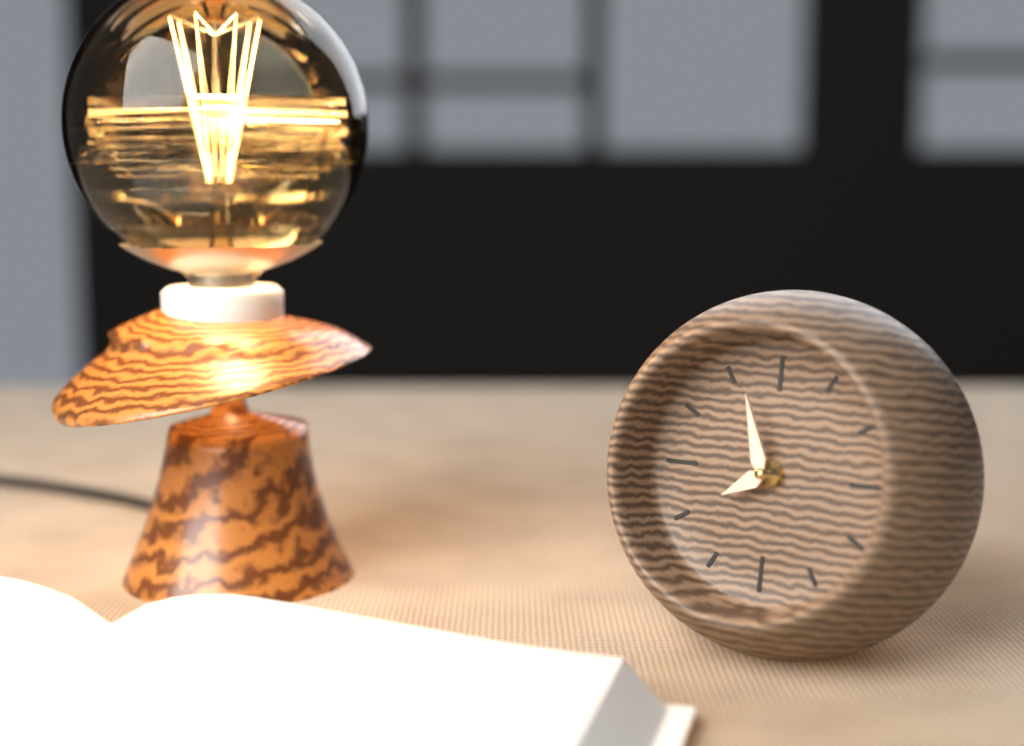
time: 7:57
